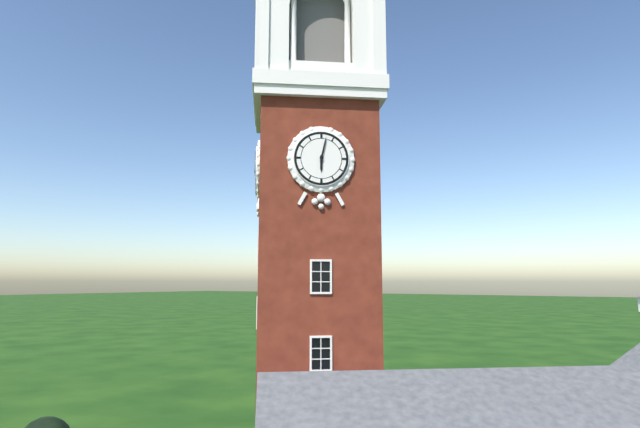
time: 6:02
